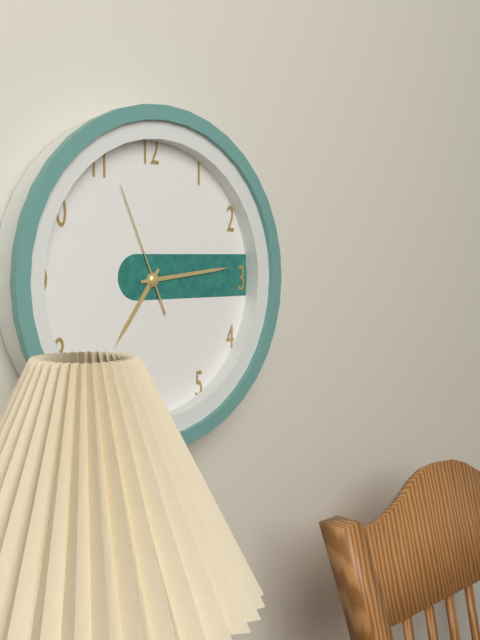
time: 7:14:56
